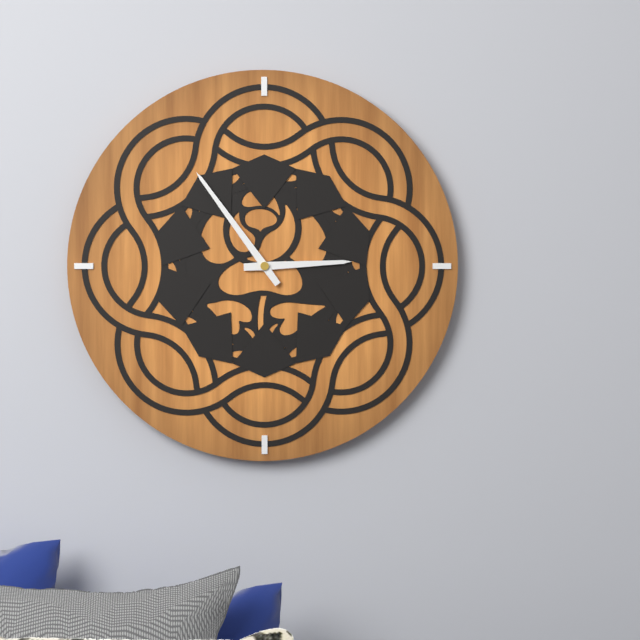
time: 2:54
